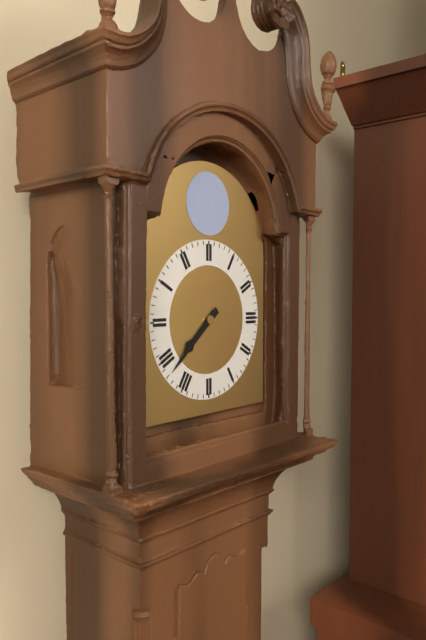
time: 7:38
